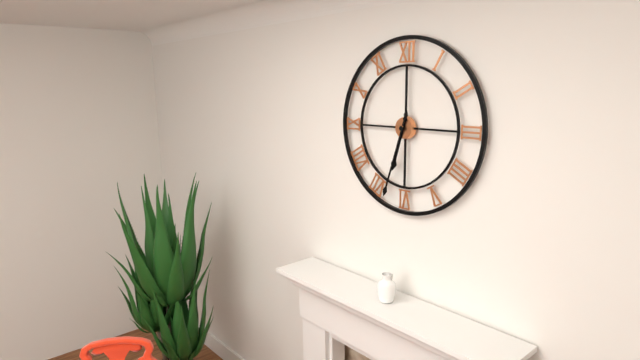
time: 6:33
